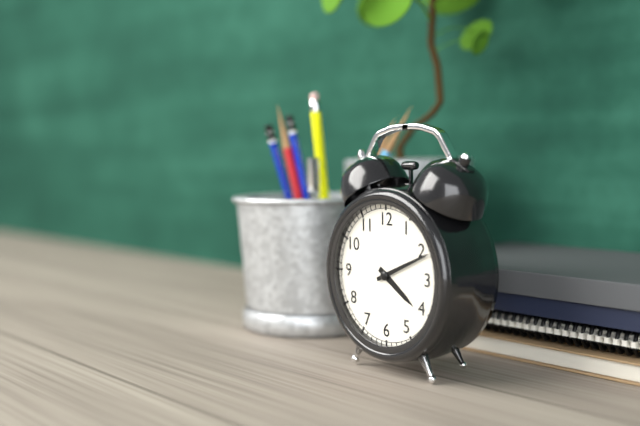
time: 4:11
